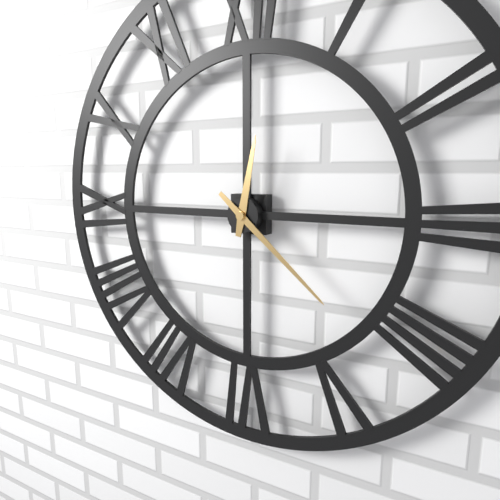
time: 12:22
